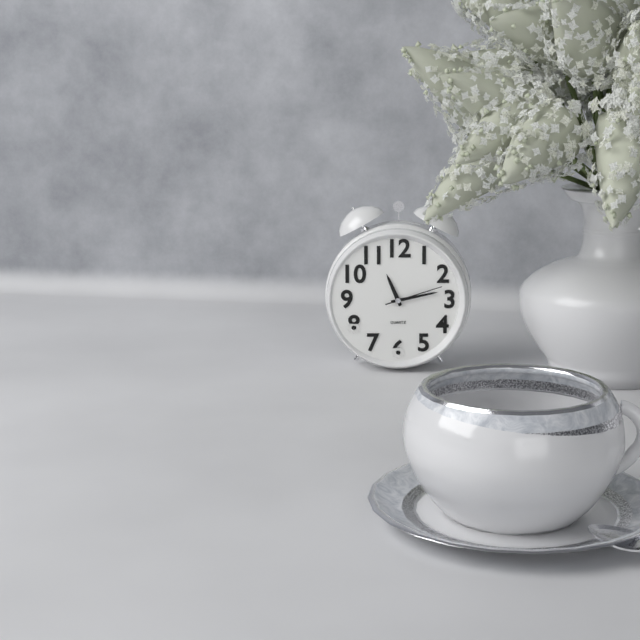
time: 11:13:12
